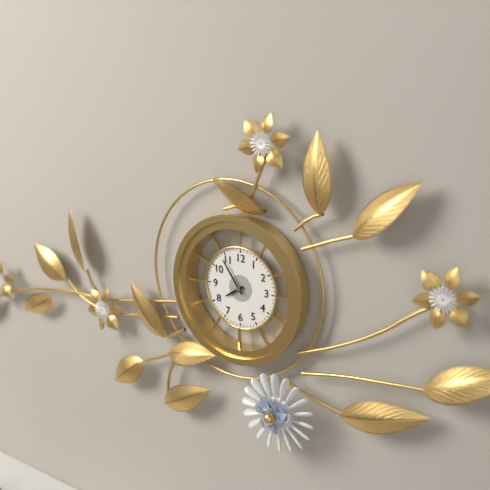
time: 7:54
